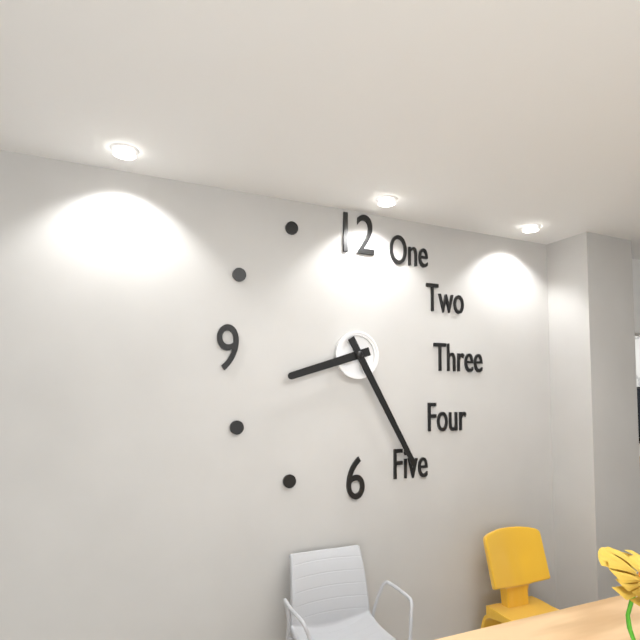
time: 8:25
